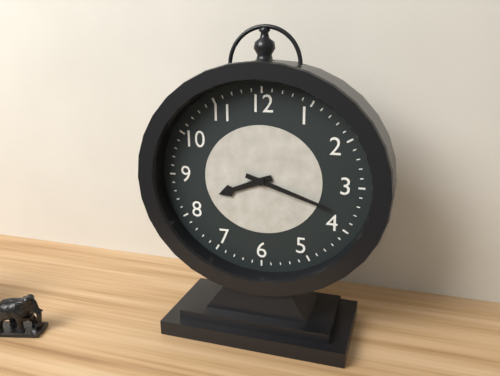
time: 8:18
